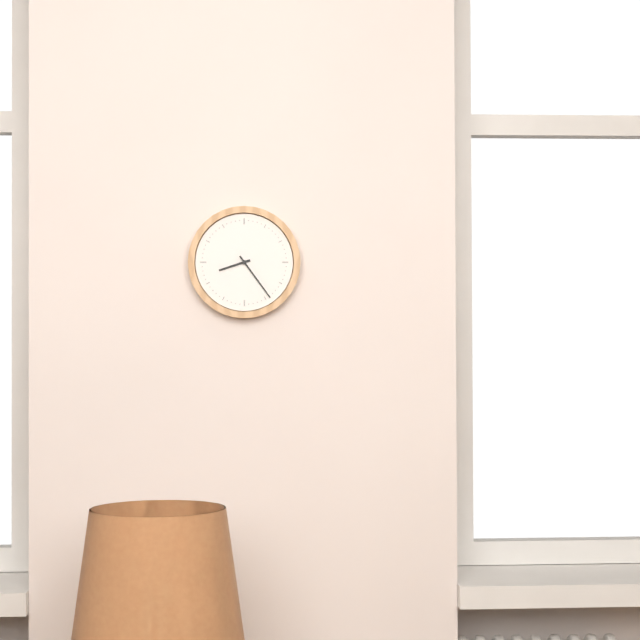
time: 8:24
